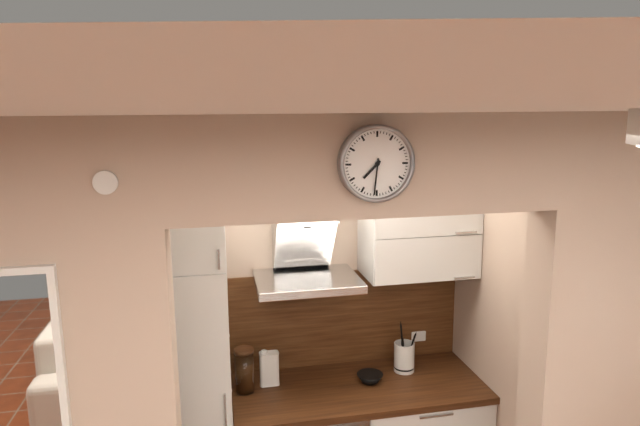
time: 7:31
